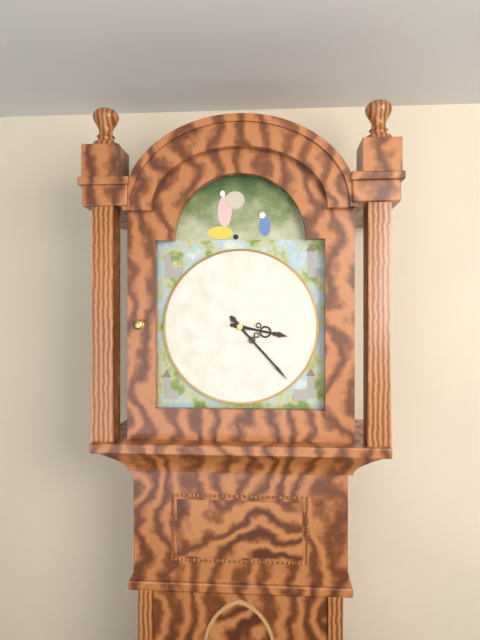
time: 3:23
